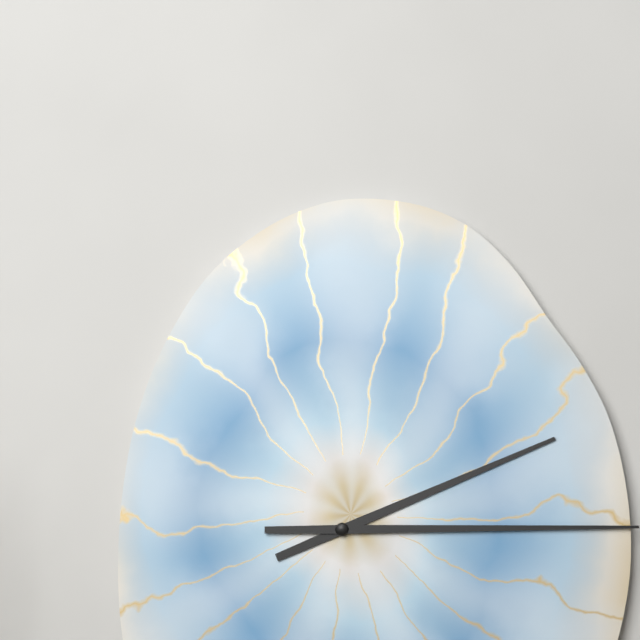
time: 2:15
